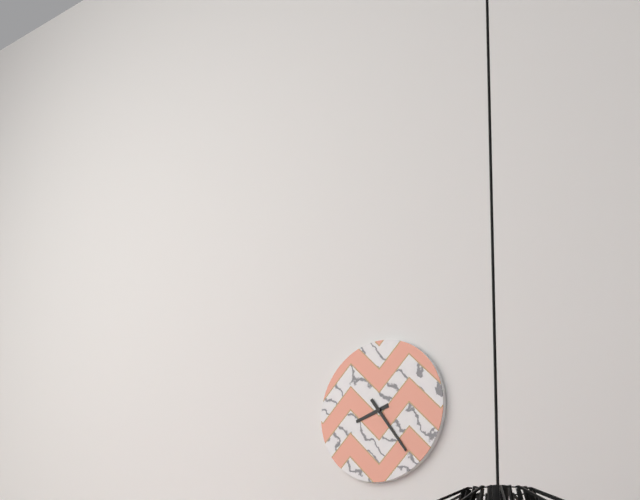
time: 8:24
